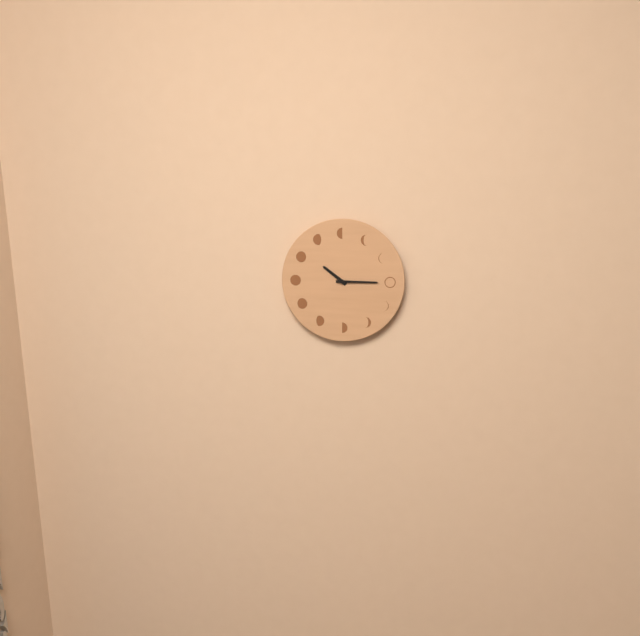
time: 10:15
